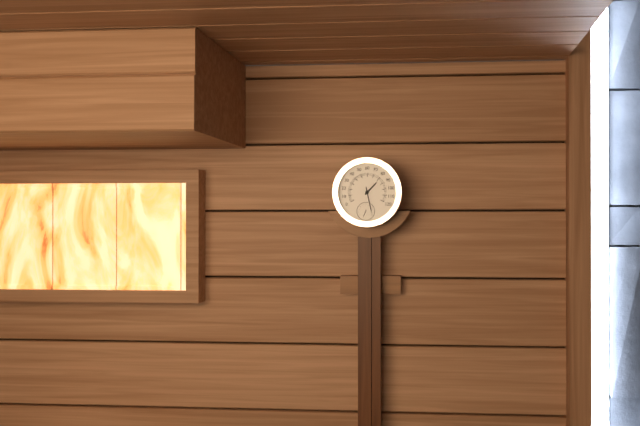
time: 1:28
